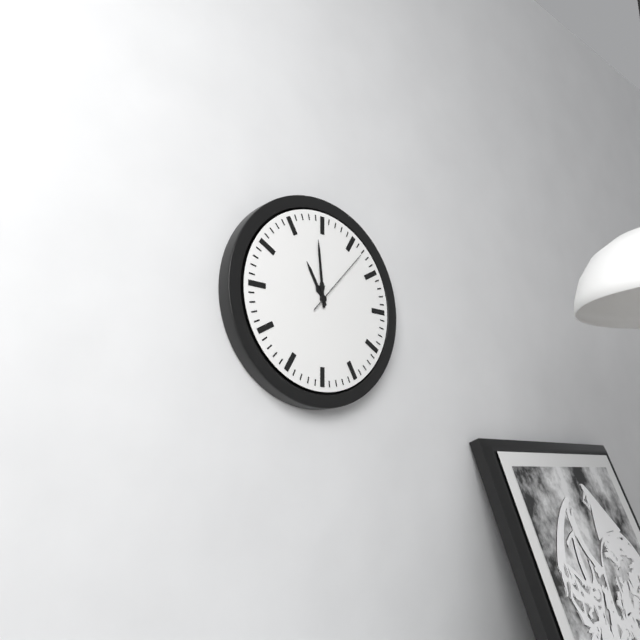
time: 10:59:07
